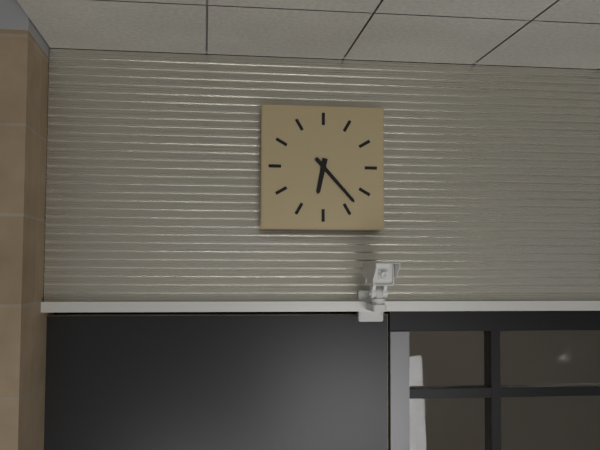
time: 6:23
